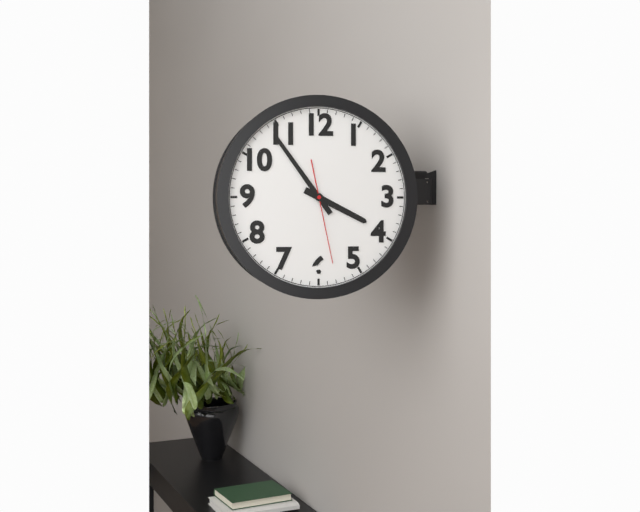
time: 3:54:28
